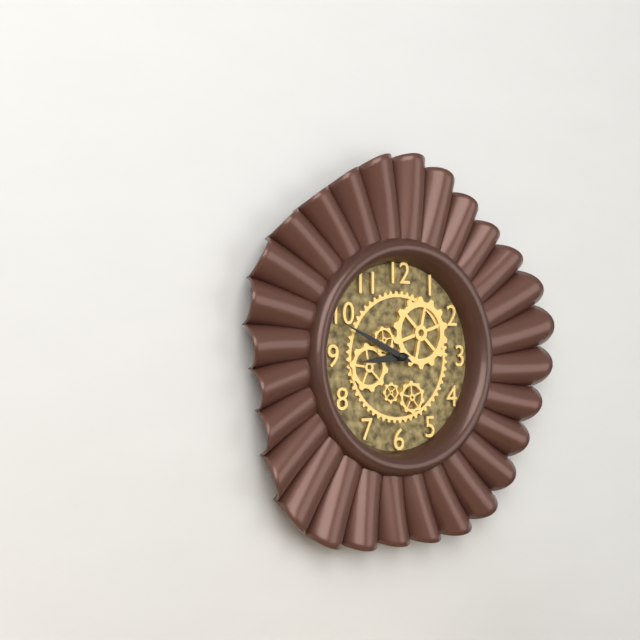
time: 8:49
